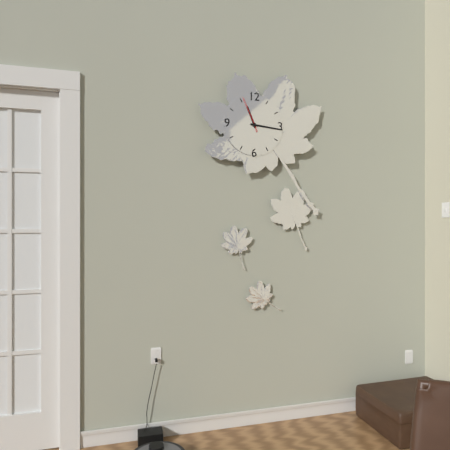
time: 11:16
